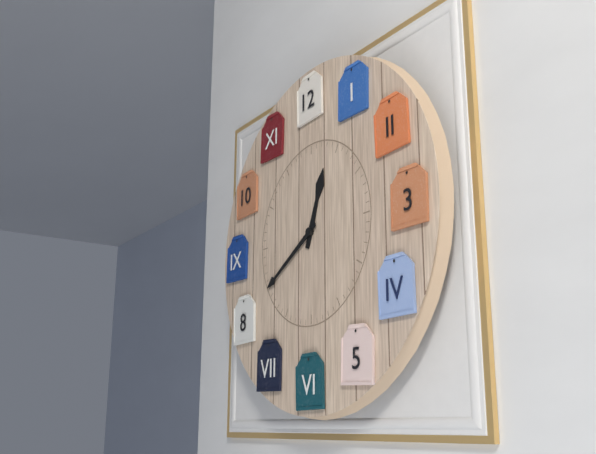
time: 12:40
